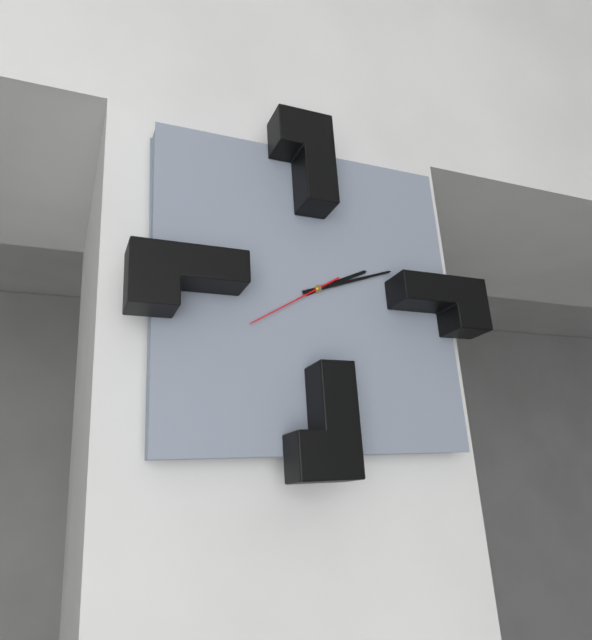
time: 2:12:40
